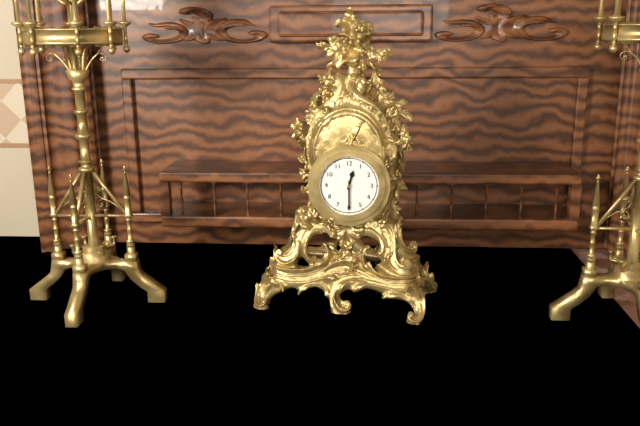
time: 12:30
